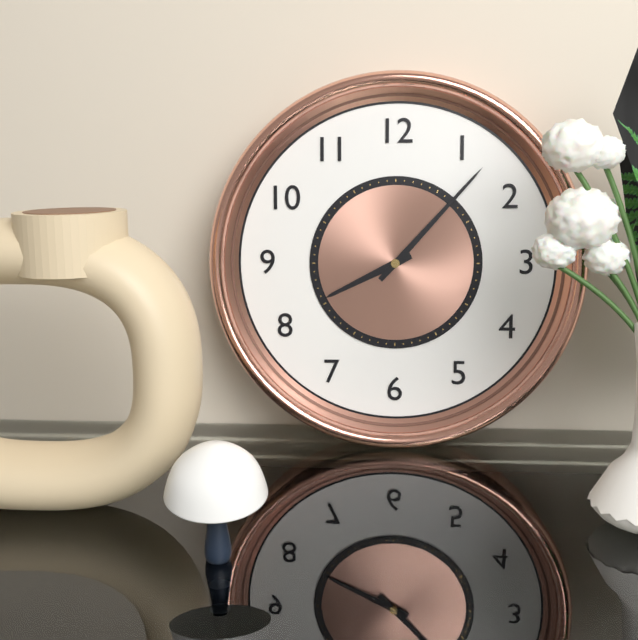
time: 8:07
